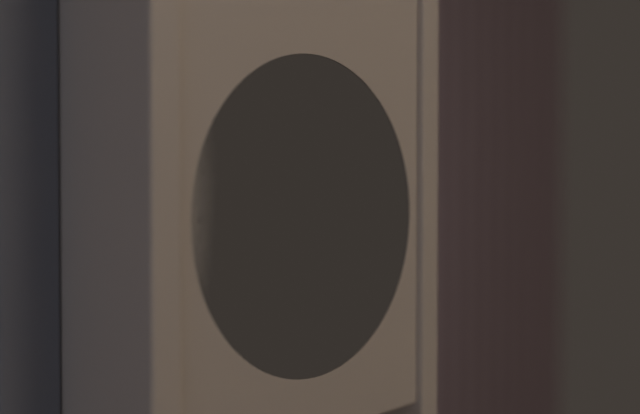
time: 4:44:04
